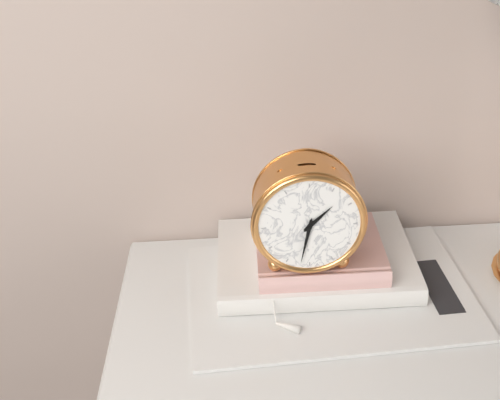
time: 1:32
